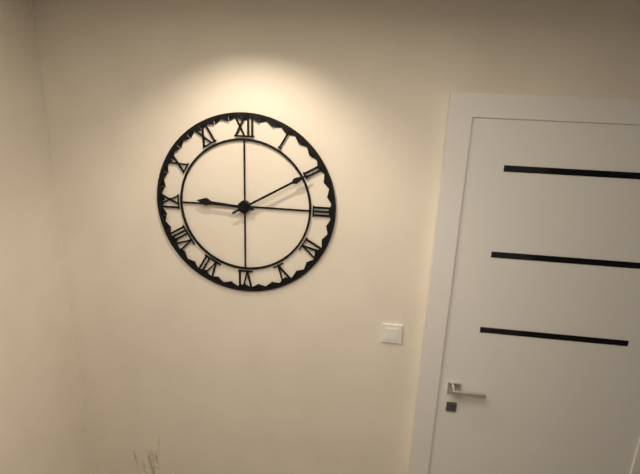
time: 9:10
